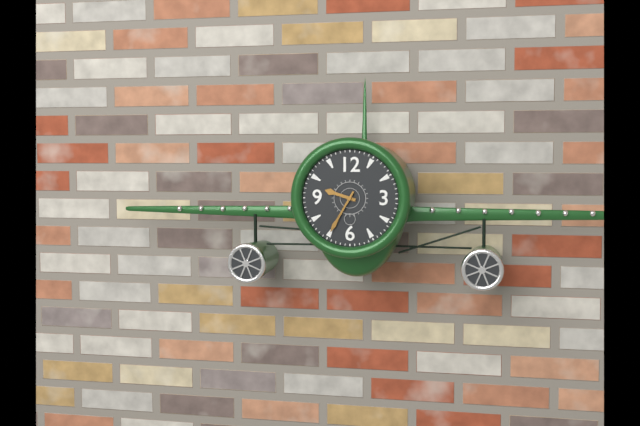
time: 9:35
